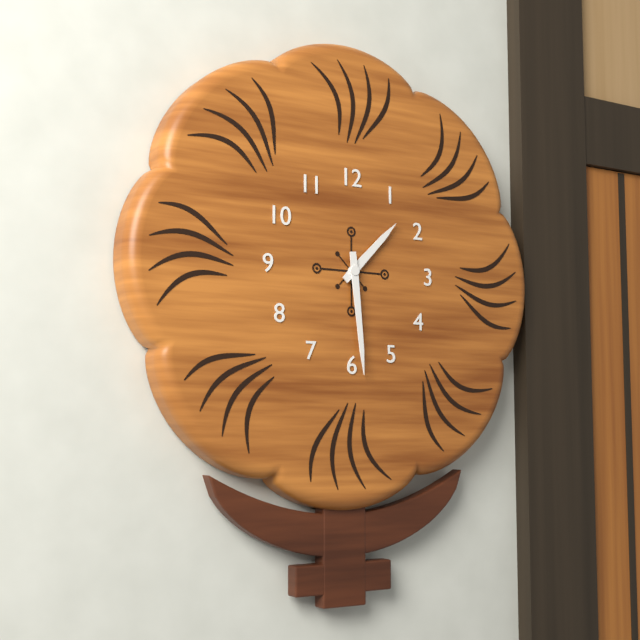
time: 1:29
